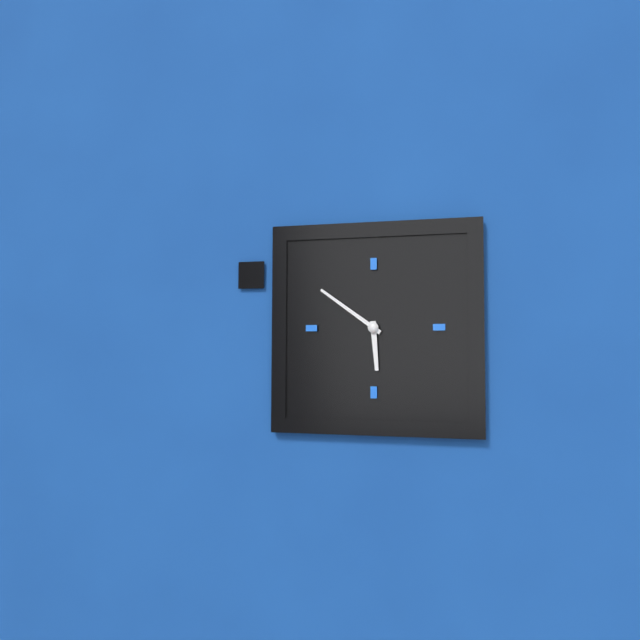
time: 5:51
